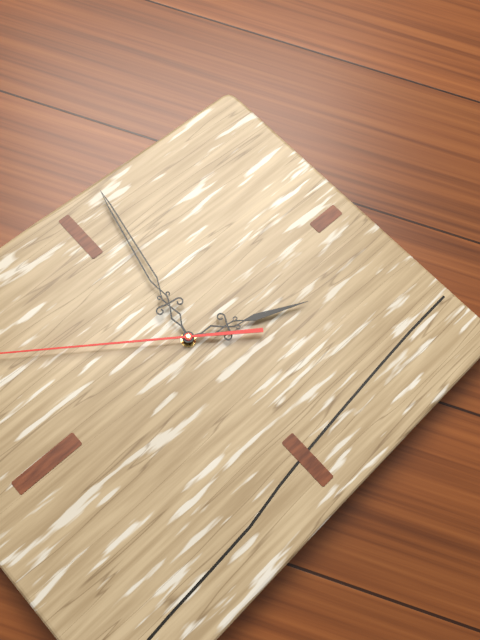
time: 12:47
